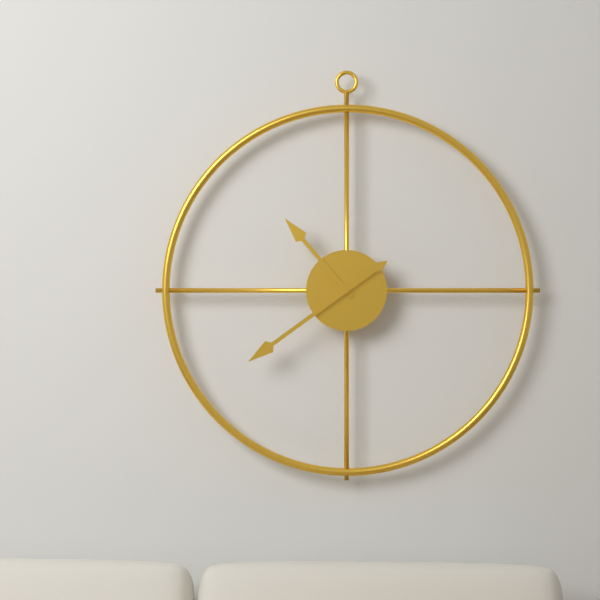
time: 10:39
